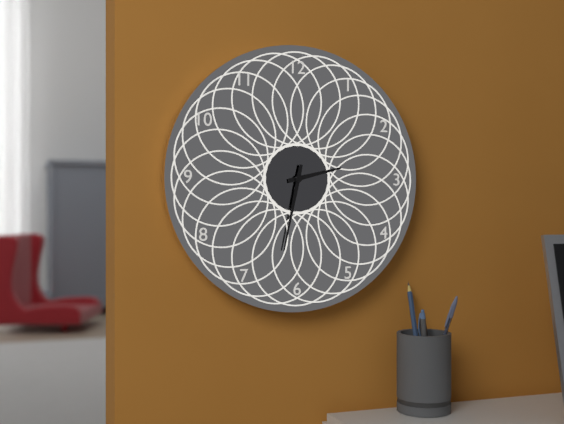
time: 2:32
